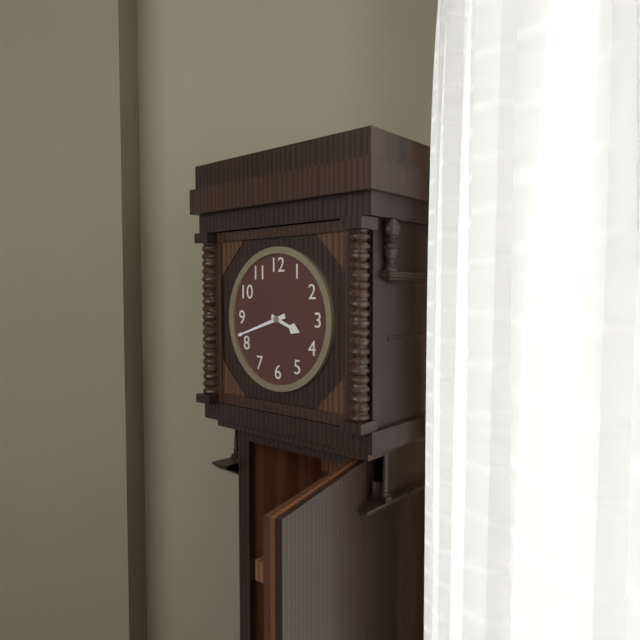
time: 3:42
